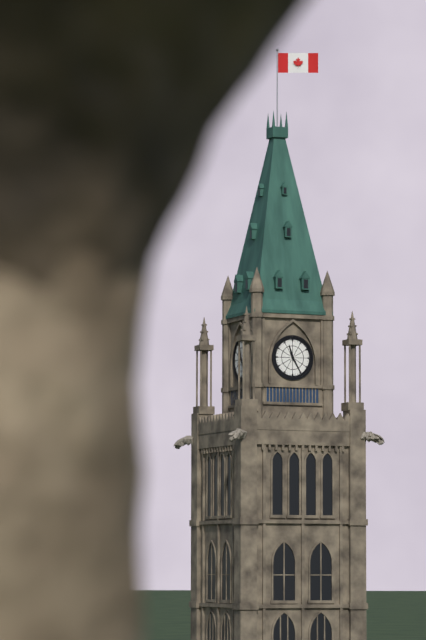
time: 11:25
